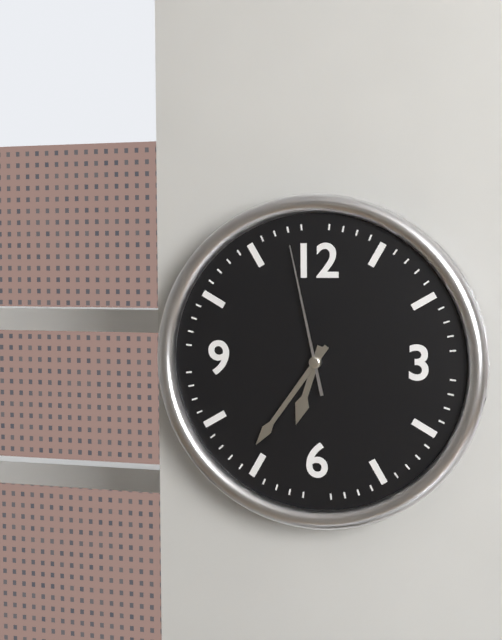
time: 6:36:58
